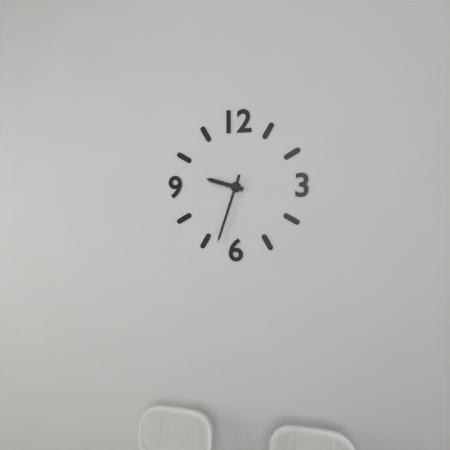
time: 9:33
